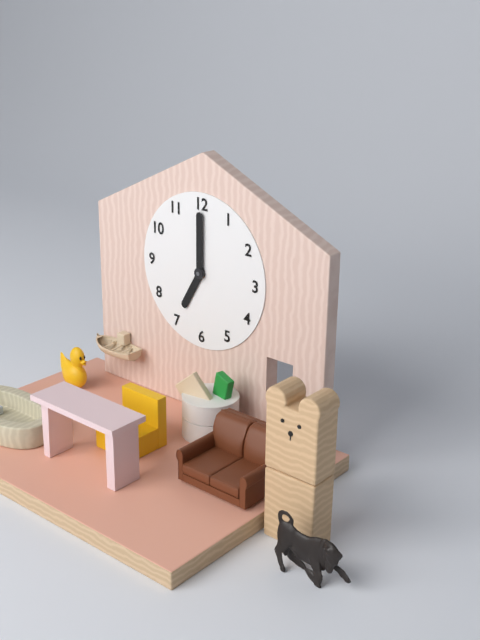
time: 7:00
